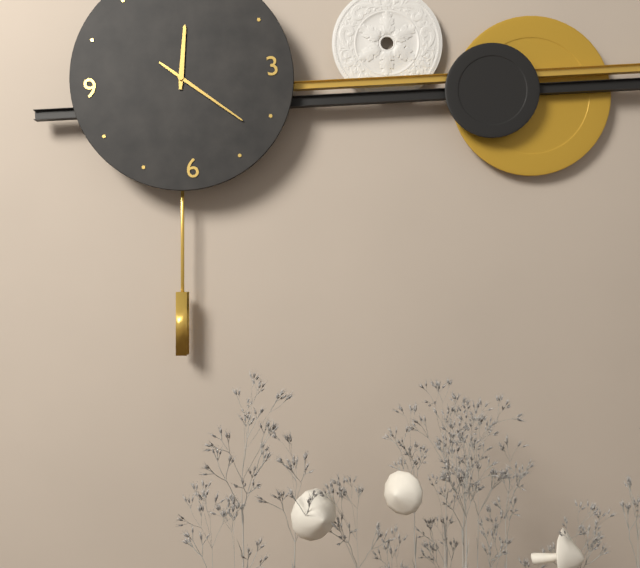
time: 12:22
